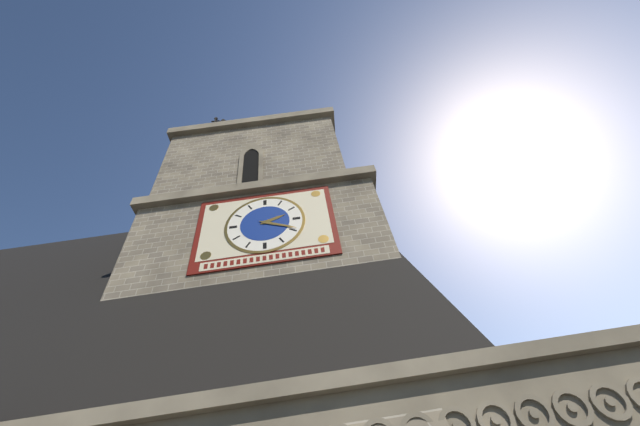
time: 2:19
